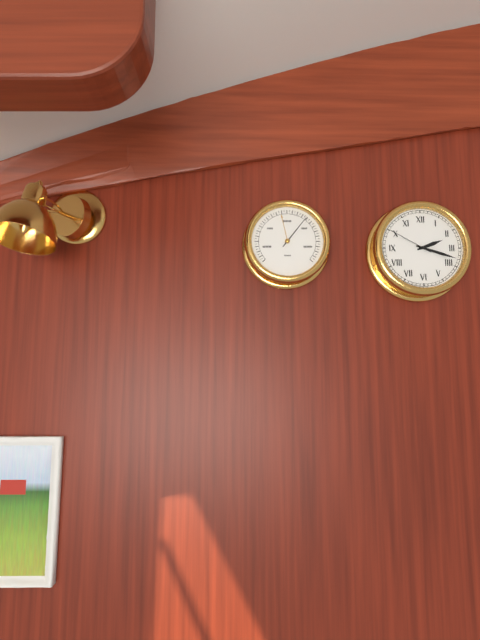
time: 2:18
